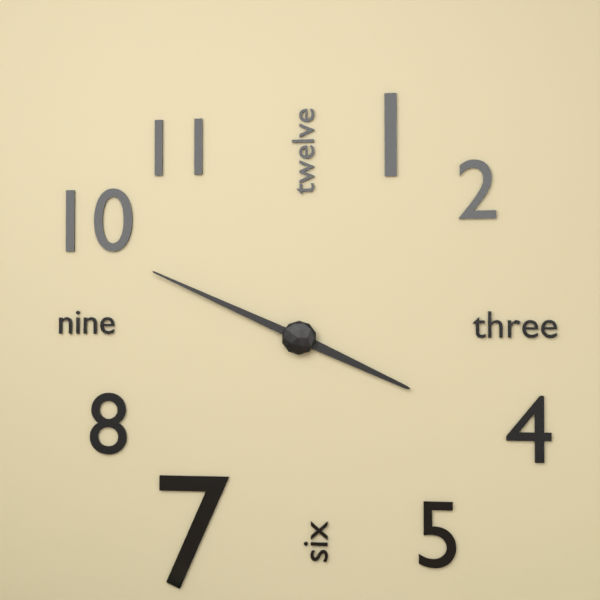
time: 3:49
